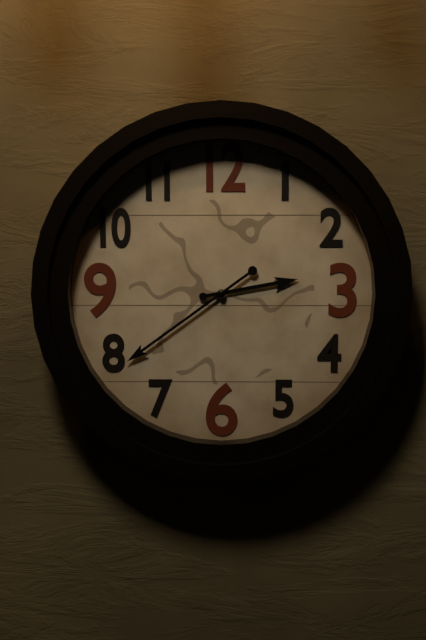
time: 2:39
